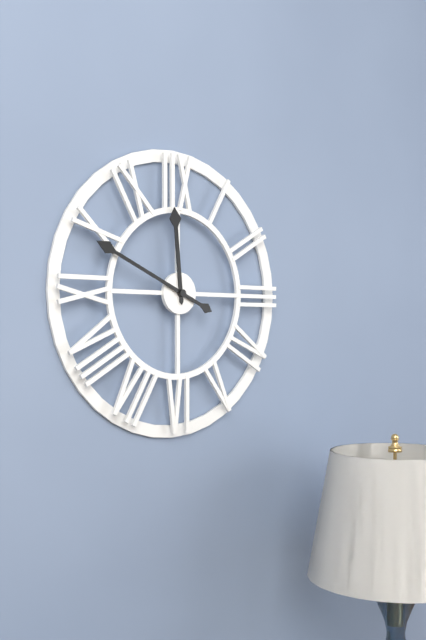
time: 11:49
